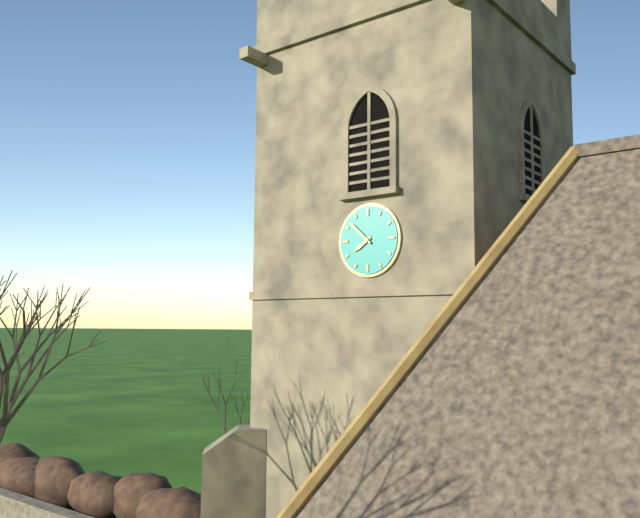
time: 7:52
